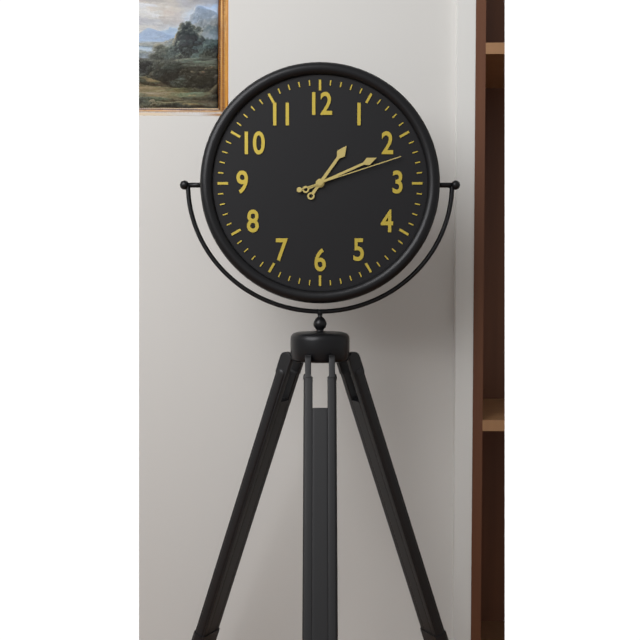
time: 1:11:12
